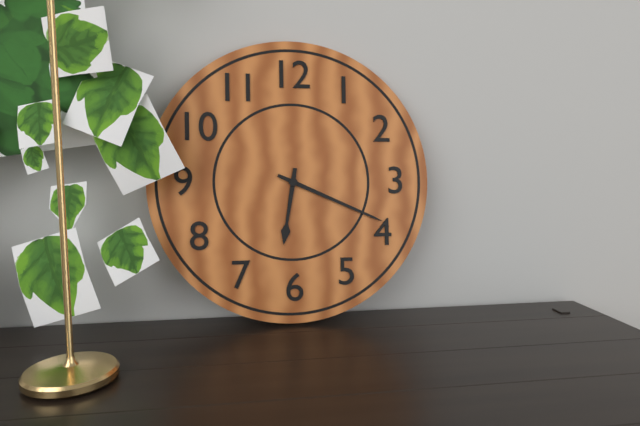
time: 6:19
